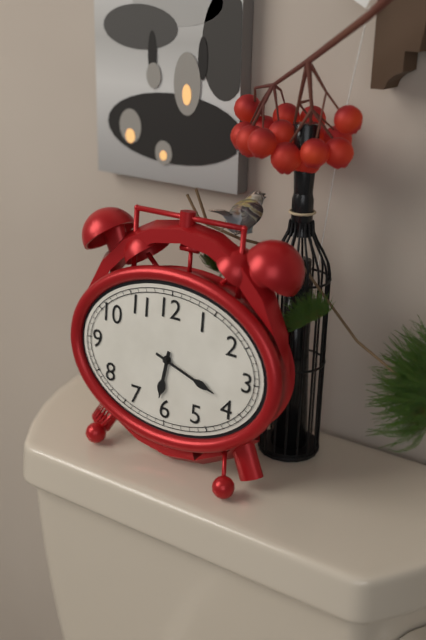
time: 6:18
